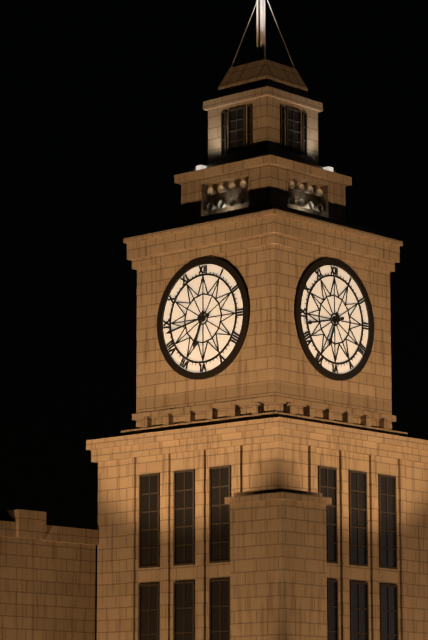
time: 6:43
